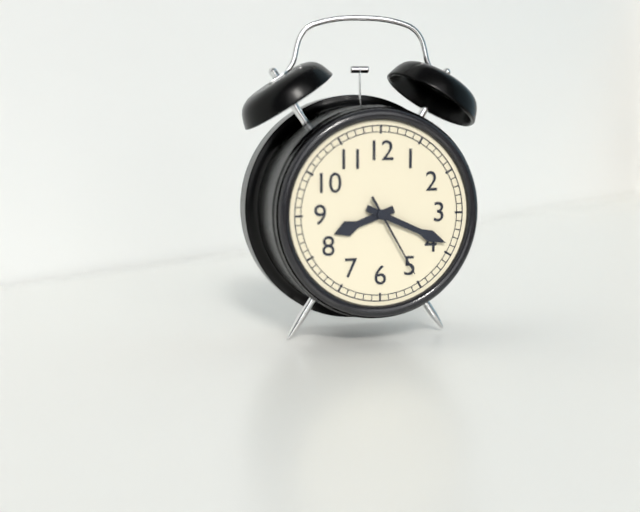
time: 8:19:25
